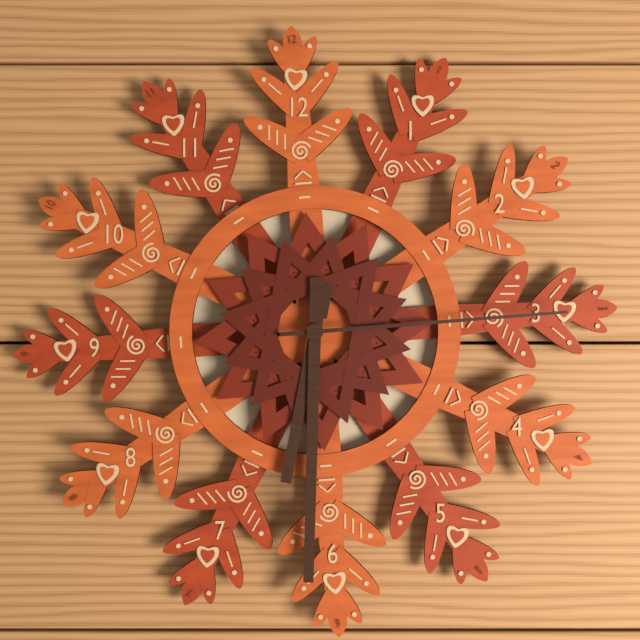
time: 6:31:15
